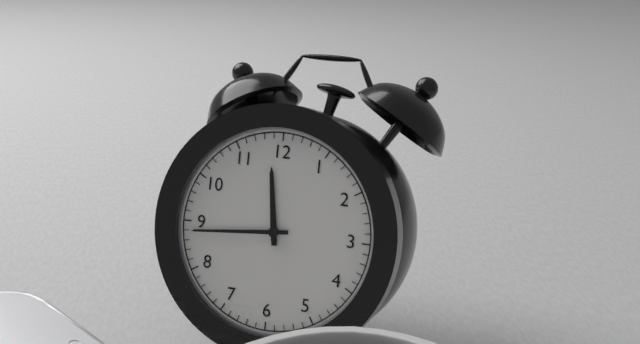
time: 11:44
